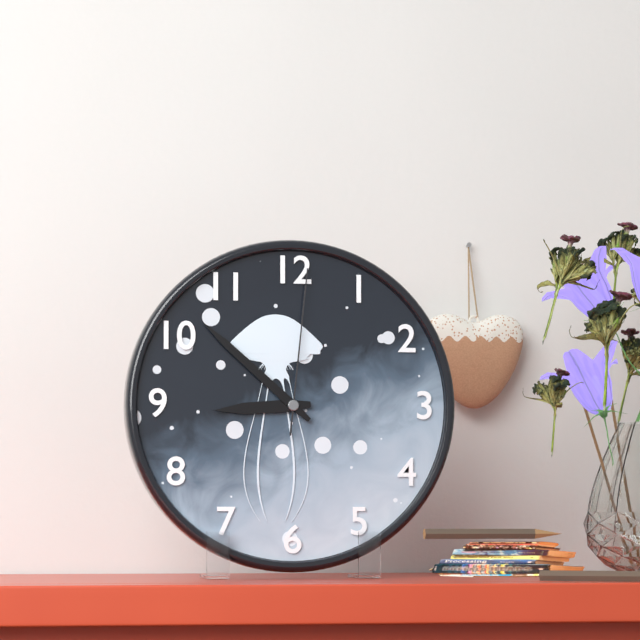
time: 8:52:01
